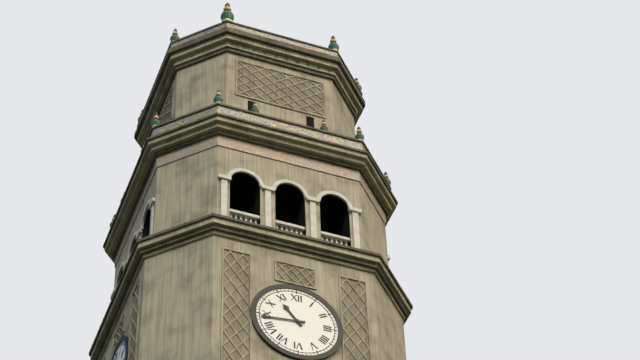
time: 10:44
